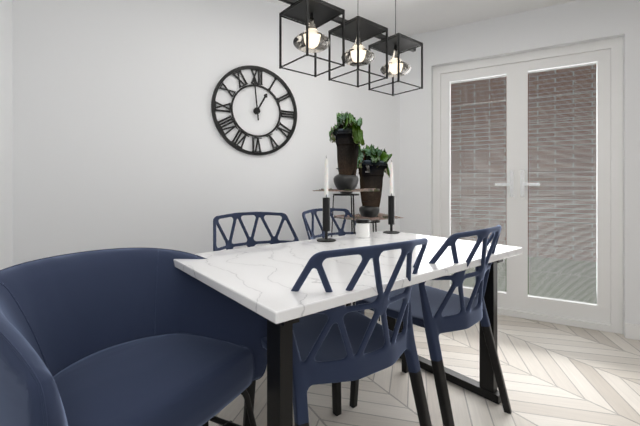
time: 12:59
